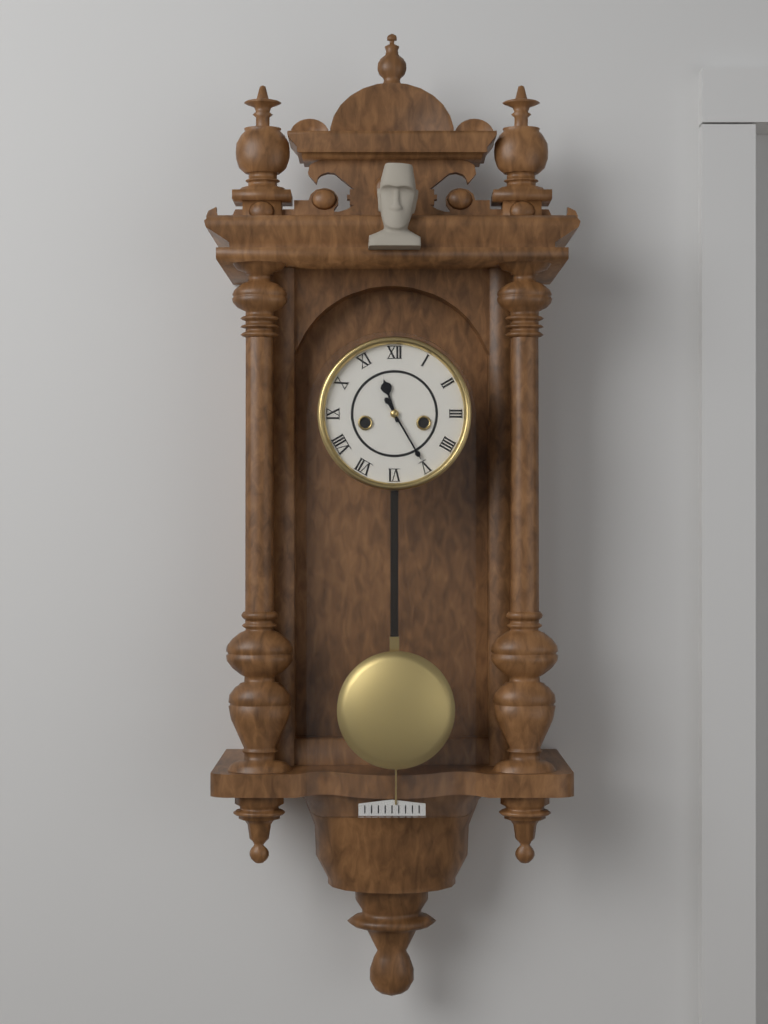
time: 11:25
